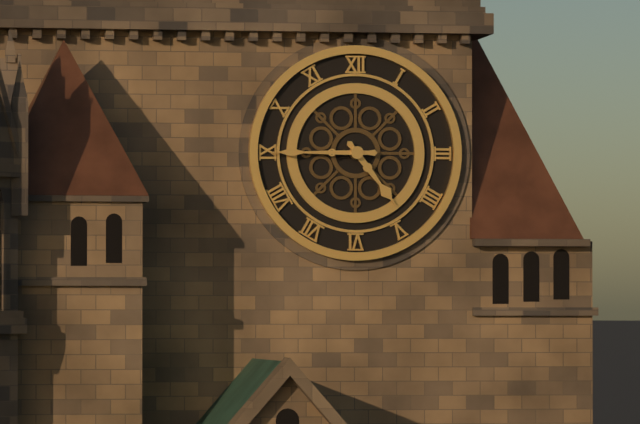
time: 4:45
